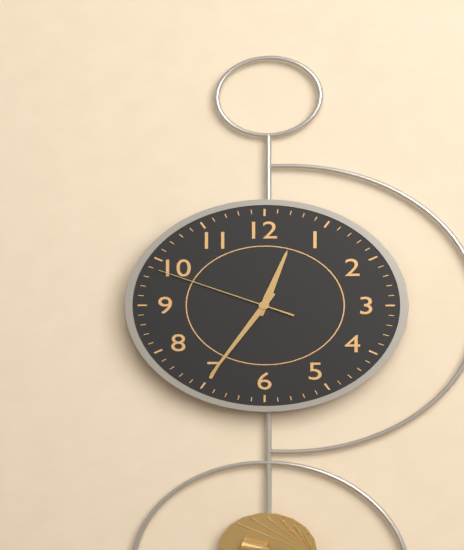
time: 12:35:49
